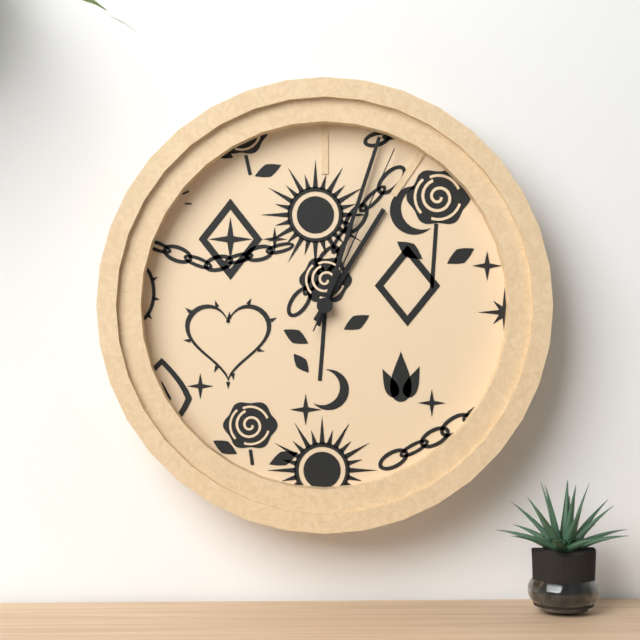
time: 1:03:04
